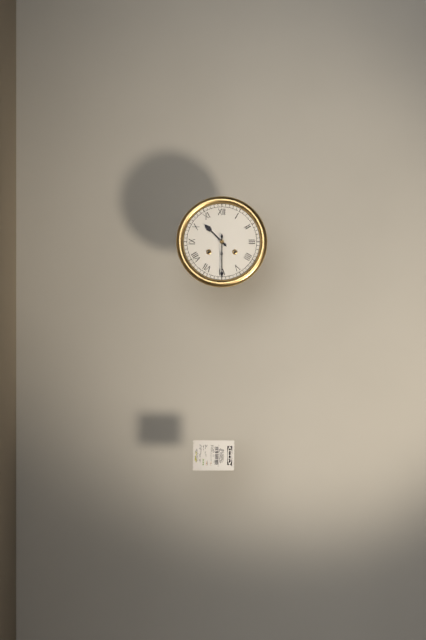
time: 10:30
